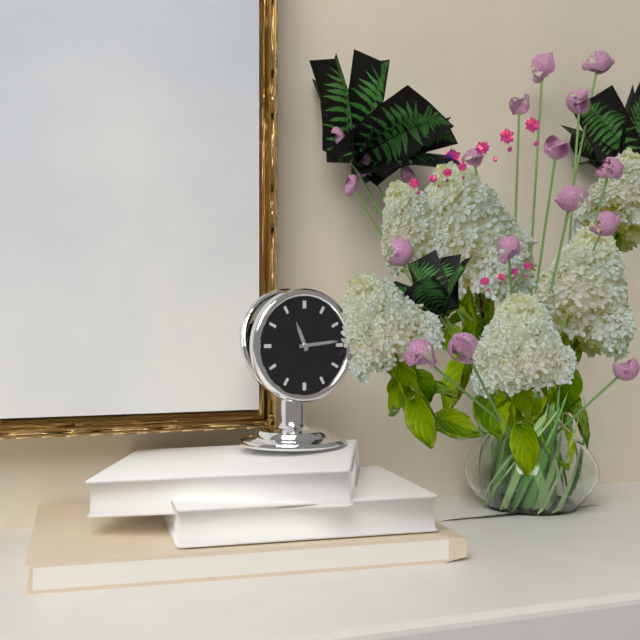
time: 11:14
